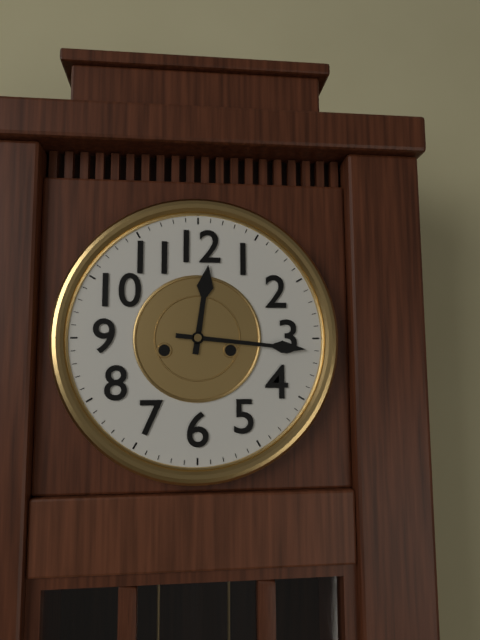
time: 12:16
